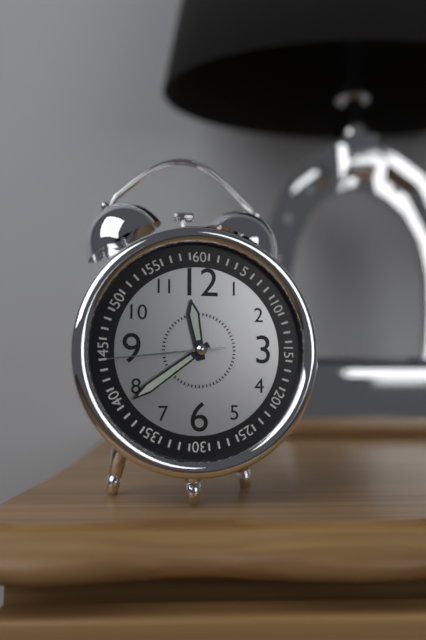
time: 11:39:44
